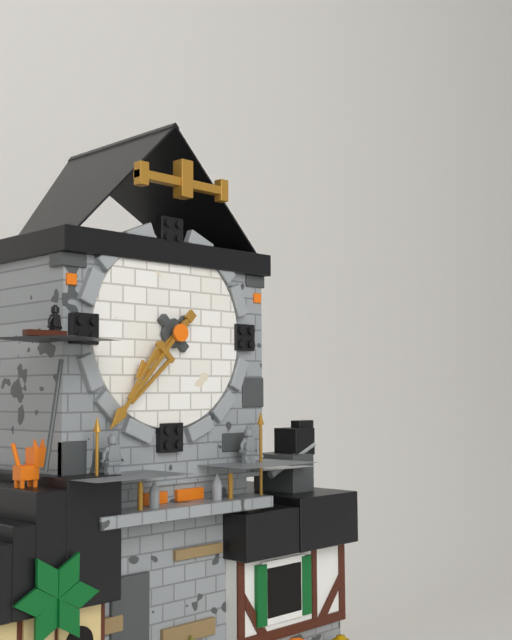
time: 7:37
